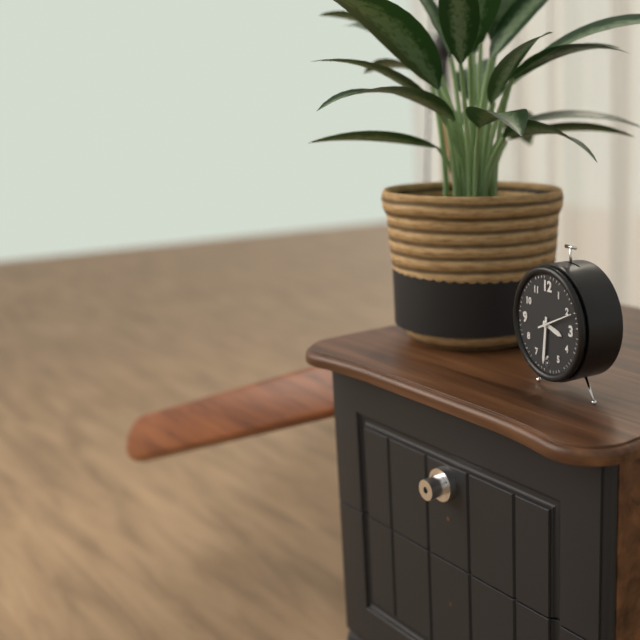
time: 3:31
